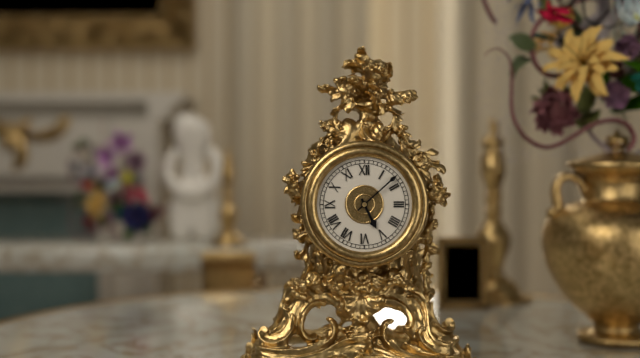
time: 5:08
